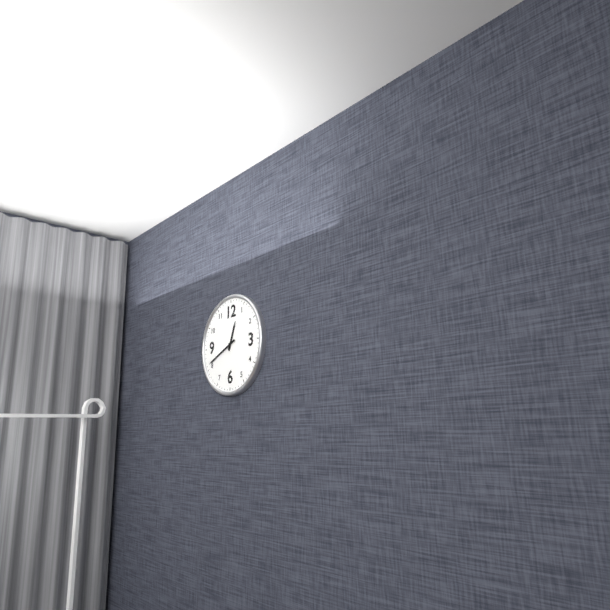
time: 12:41
